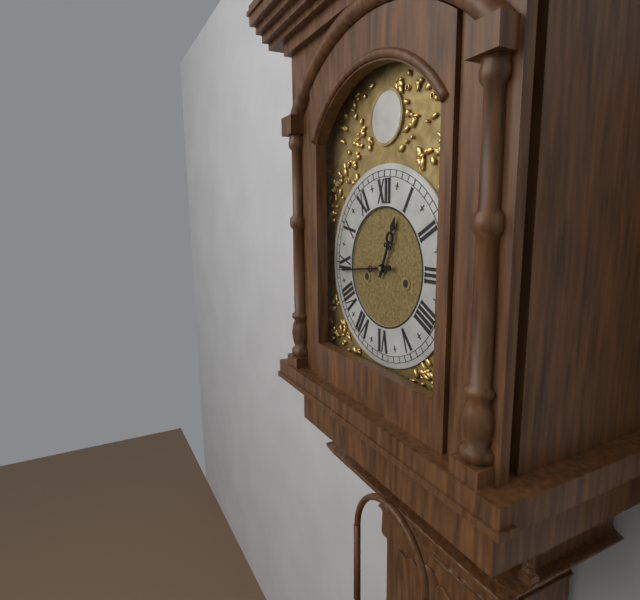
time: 12:44
